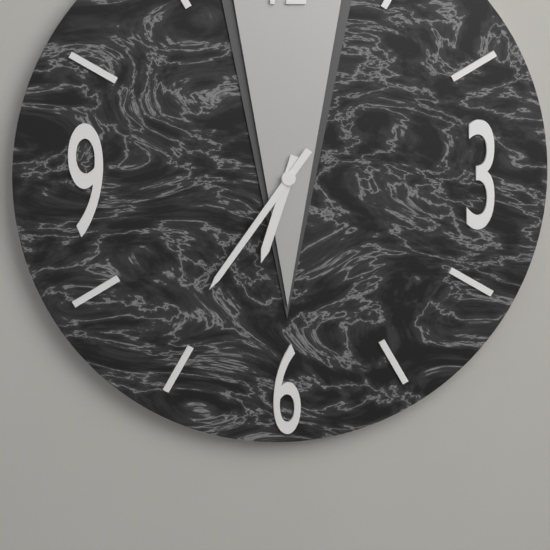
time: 6:36
